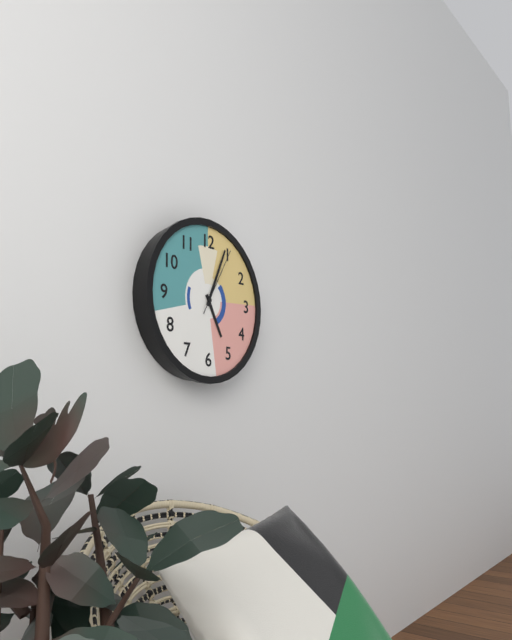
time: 5:04:05
